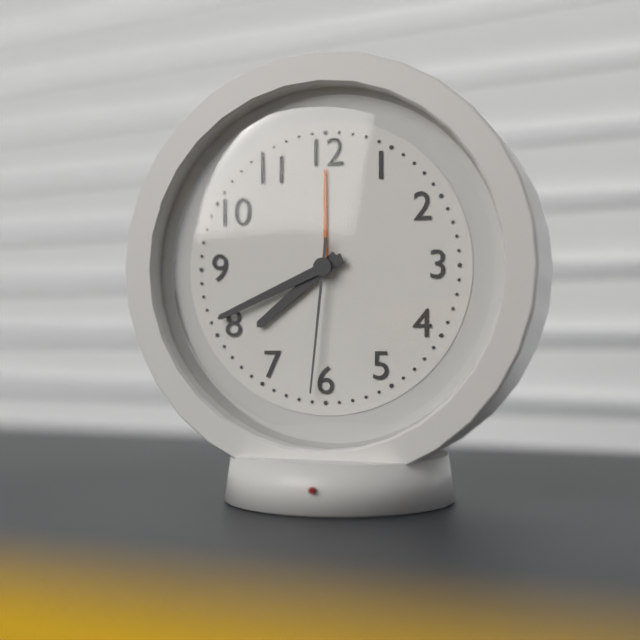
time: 7:41:31
